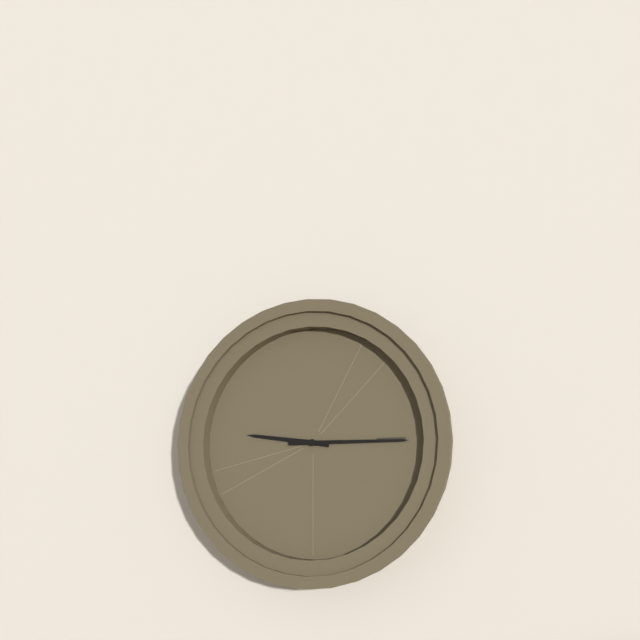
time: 9:15
